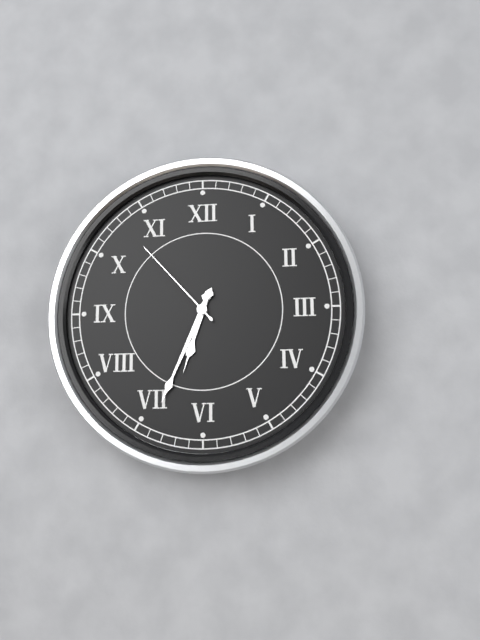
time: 6:34:53
